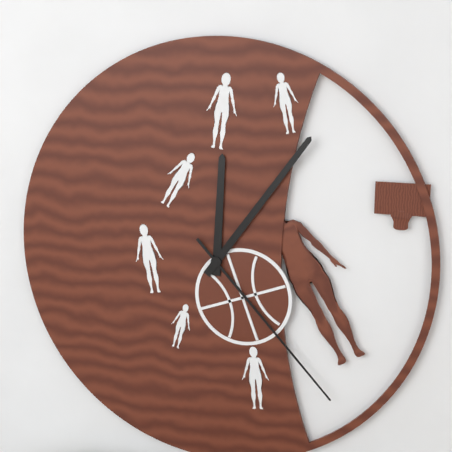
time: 12:06:23
